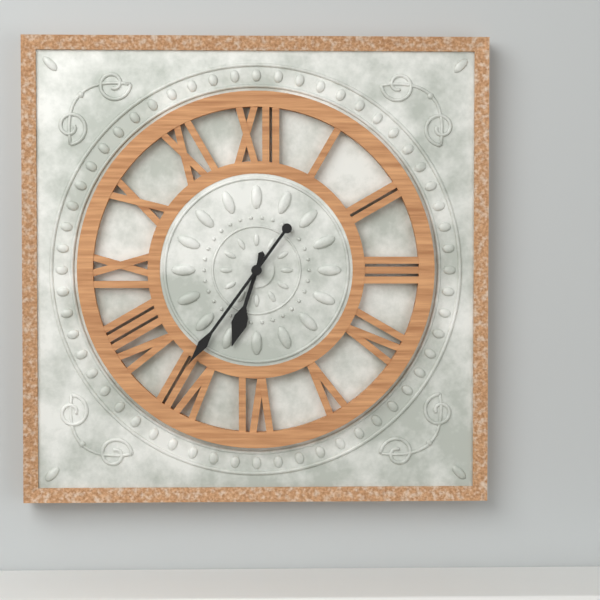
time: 6:36
